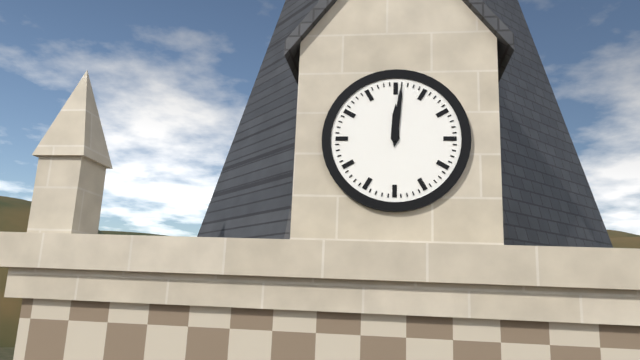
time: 12:01
